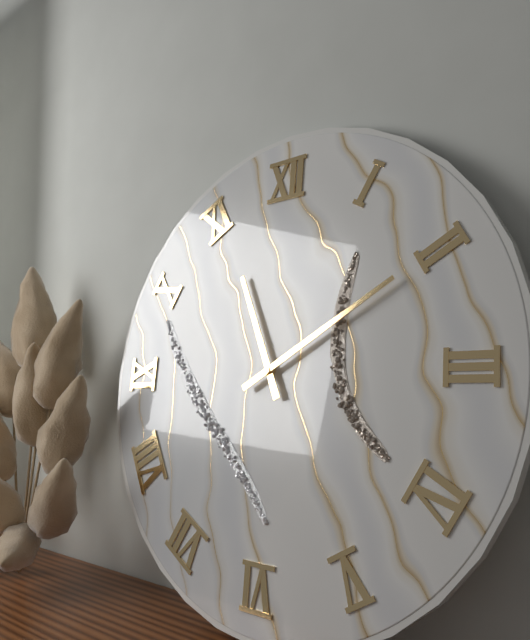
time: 11:10
